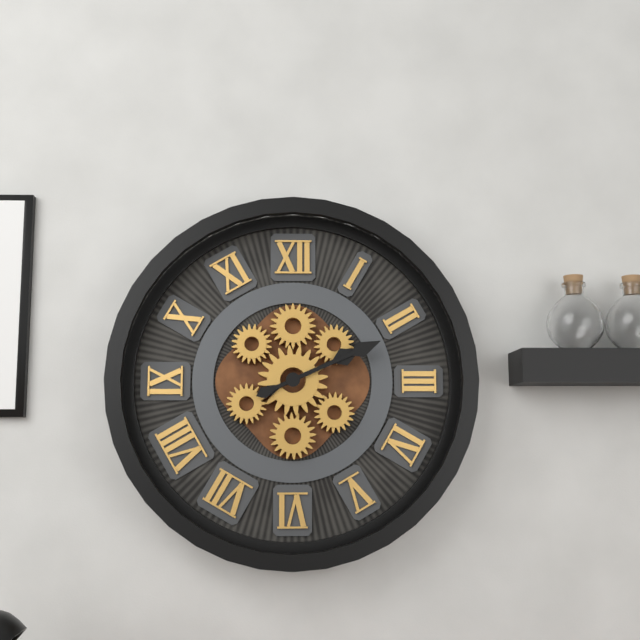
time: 2:11
